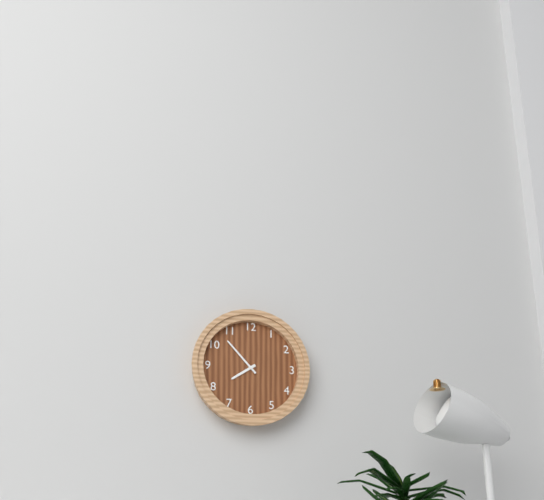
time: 7:53
